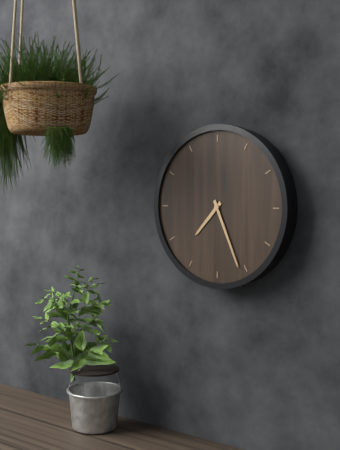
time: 7:26
